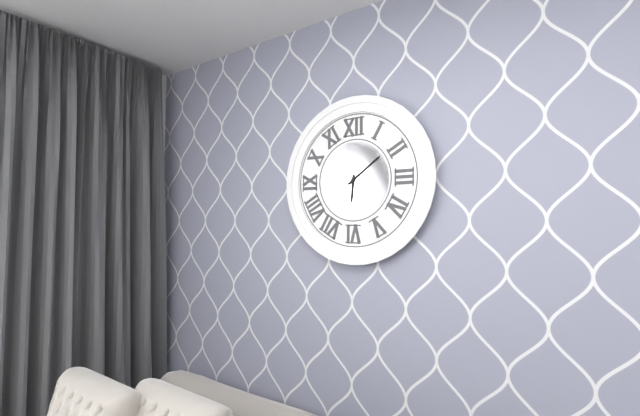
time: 6:09
